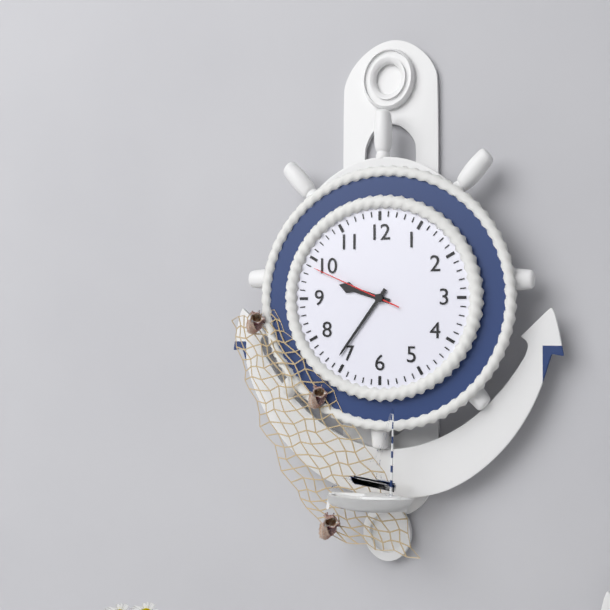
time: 9:36:49
